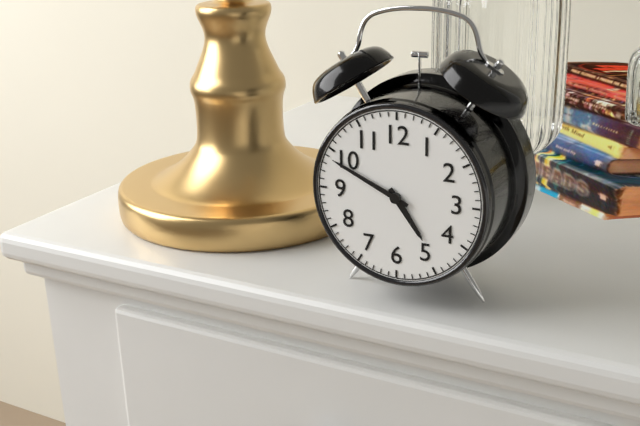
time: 4:49
